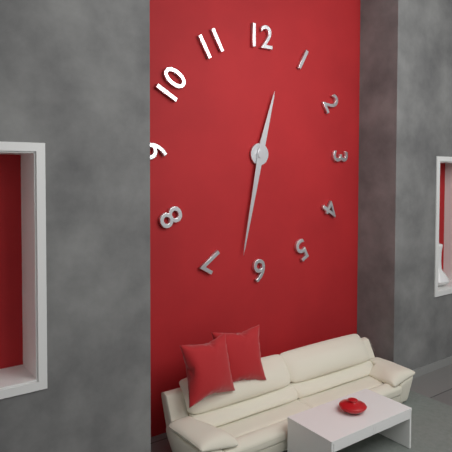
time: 12:32
